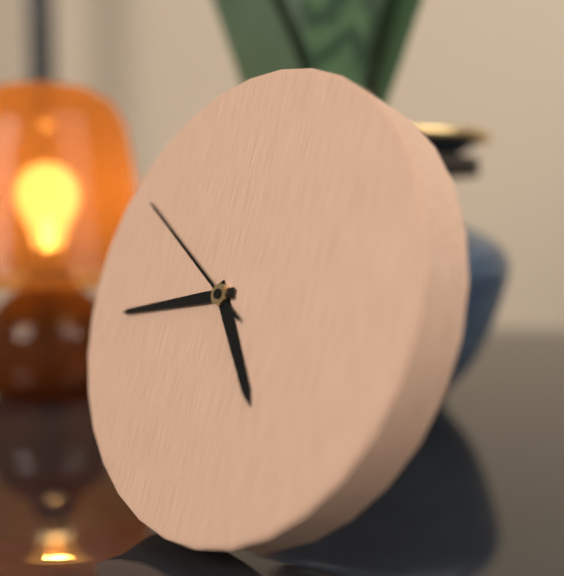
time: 4:43:50
